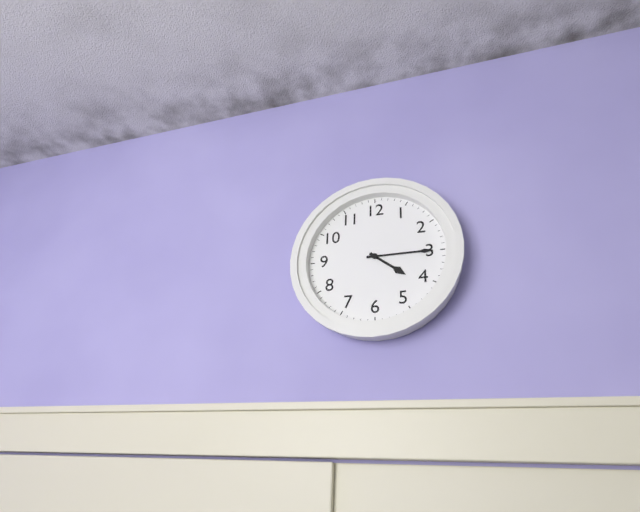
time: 4:15
